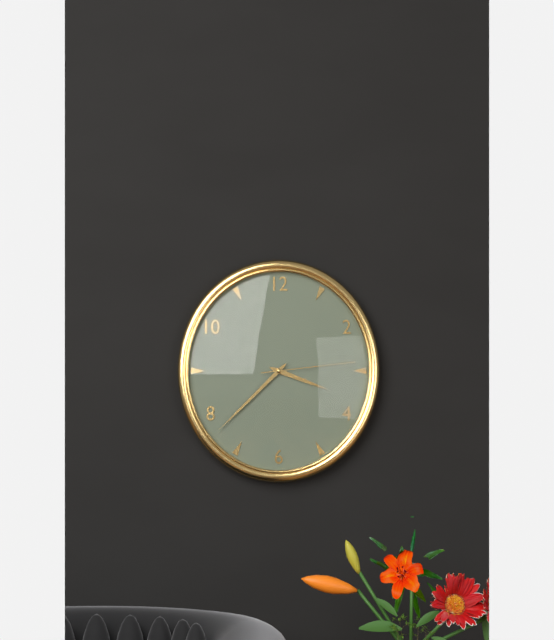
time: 3:38:14
